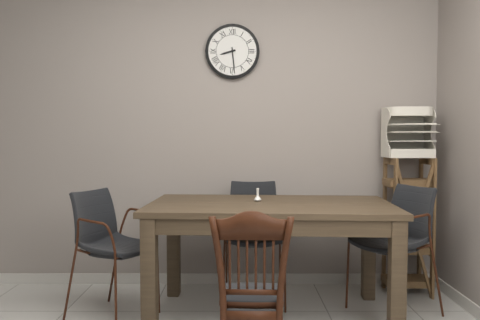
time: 8:29
